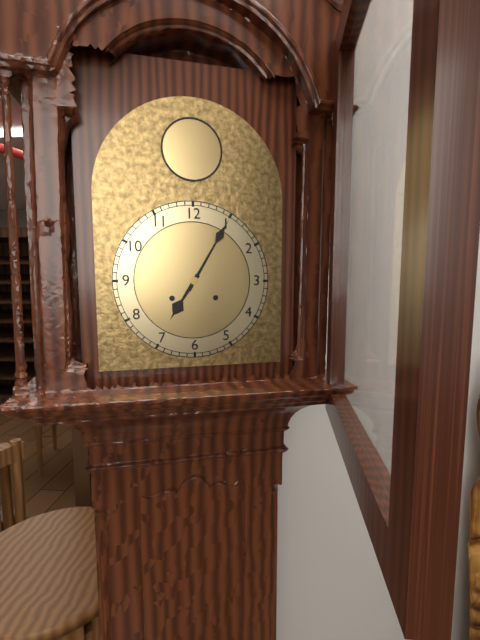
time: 7:05
